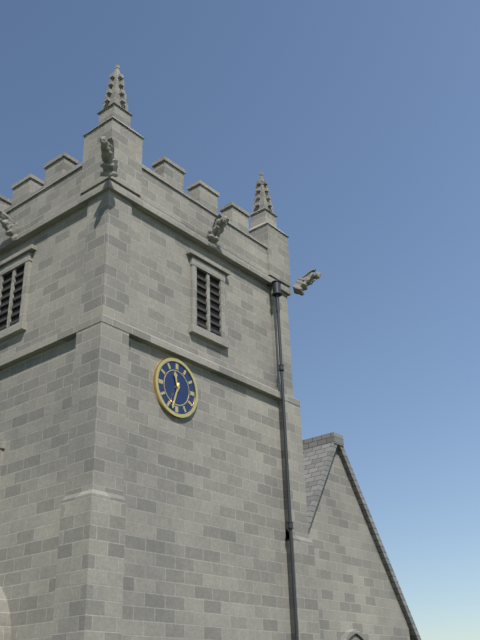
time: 11:33
